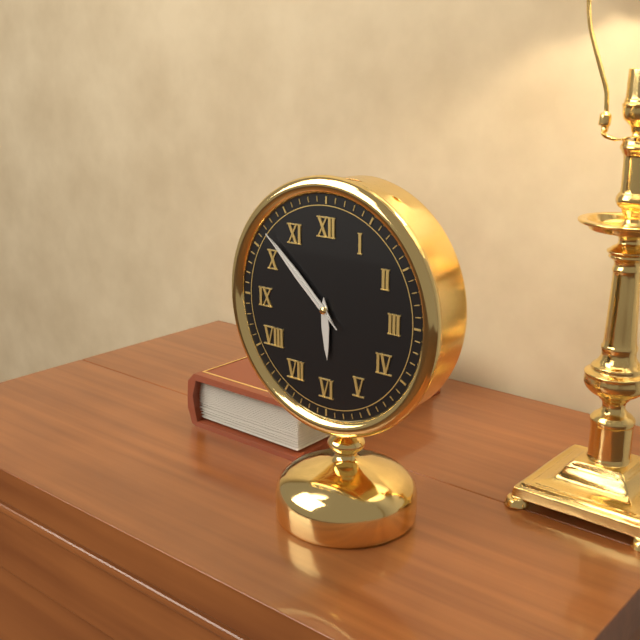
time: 5:52:52
